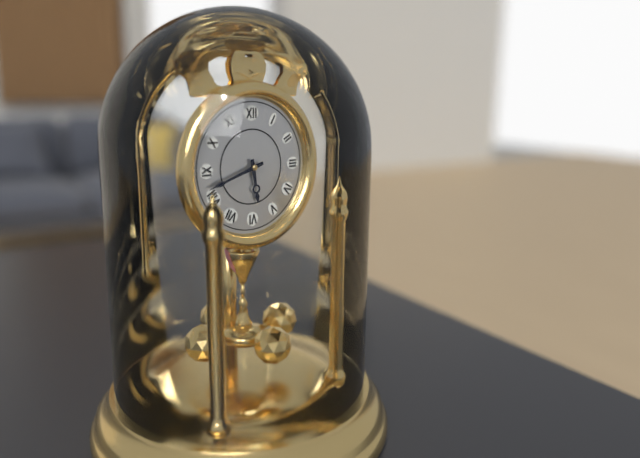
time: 5:42
